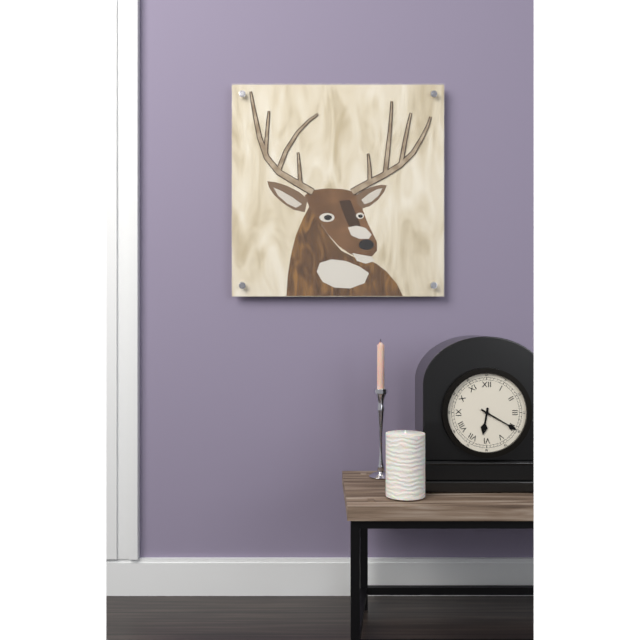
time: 6:20
